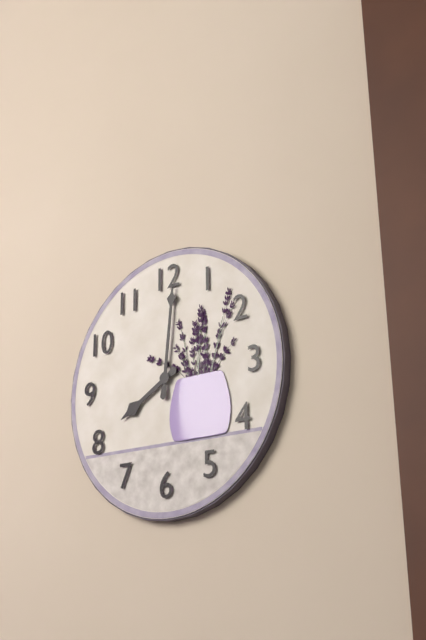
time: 8:01
